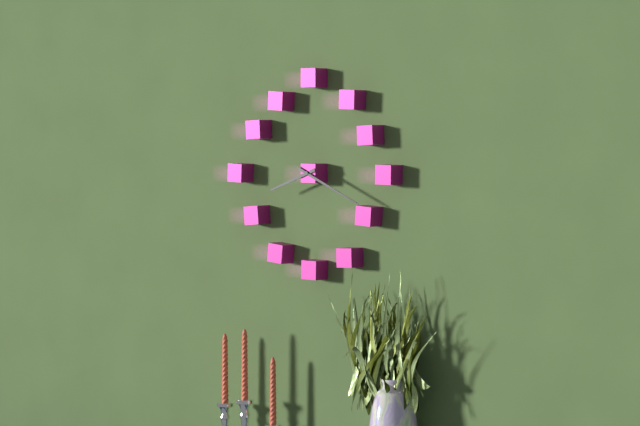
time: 8:19
